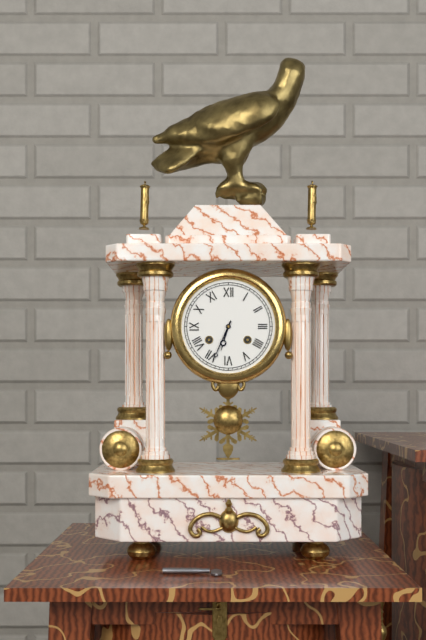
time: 6:34
